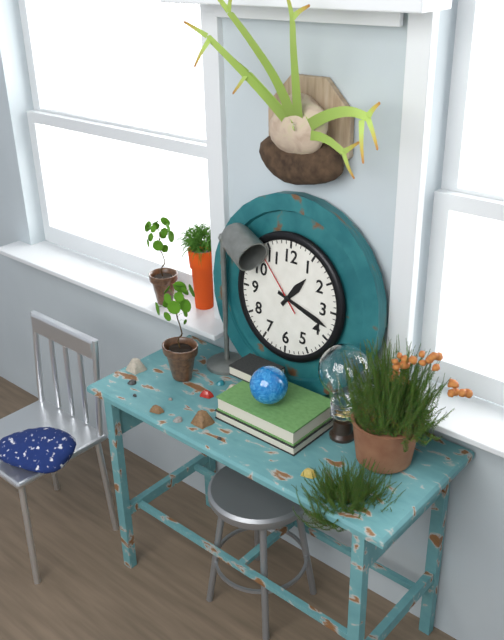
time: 1:18:53
